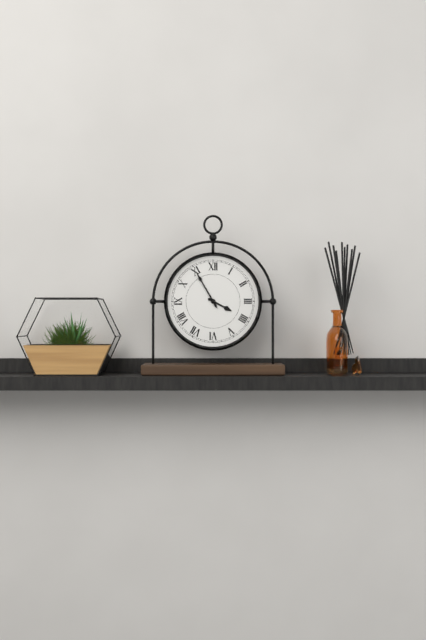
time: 3:55
